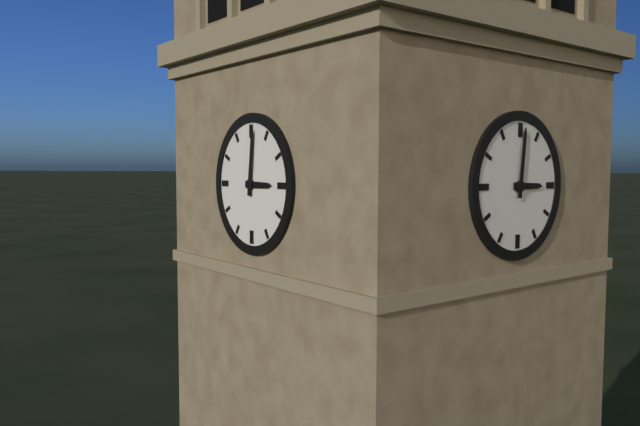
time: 3:01
